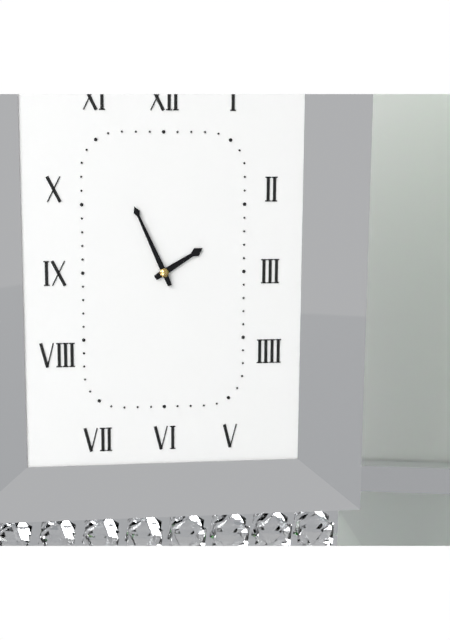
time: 1:56
